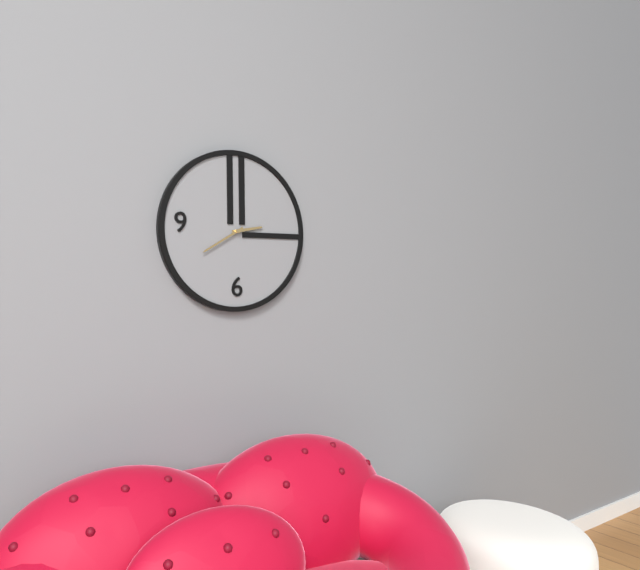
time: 2:40
